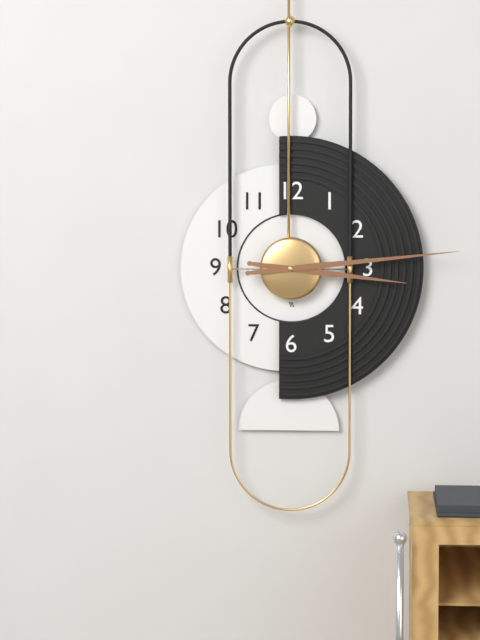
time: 3:14
